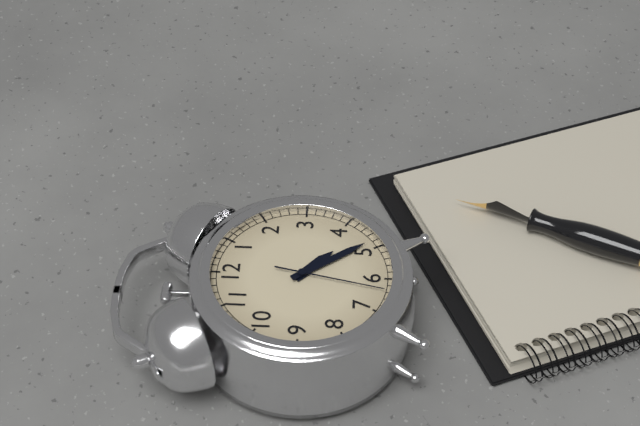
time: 4:24:32
